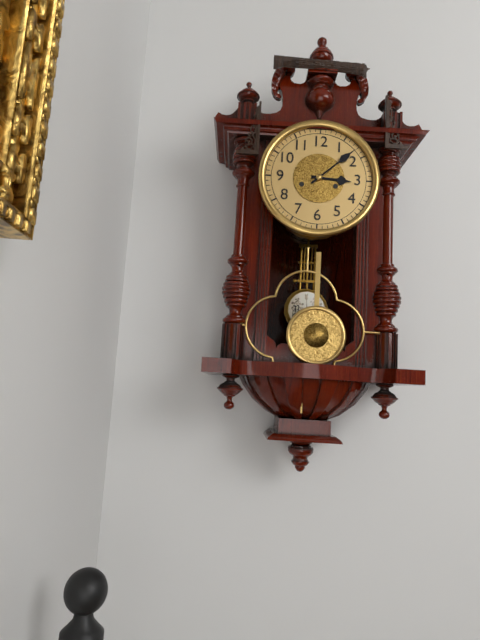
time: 3:08
